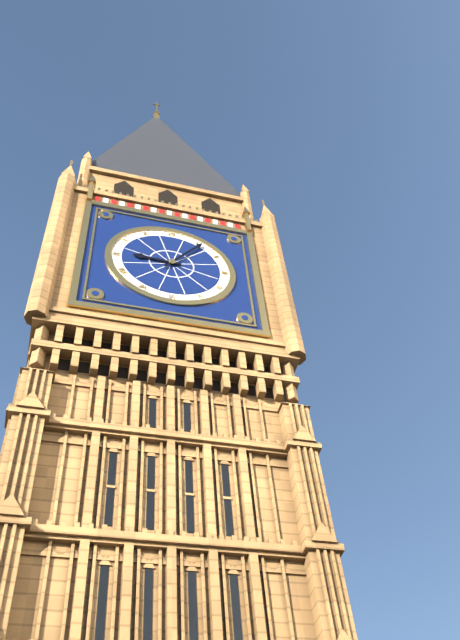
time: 9:06
